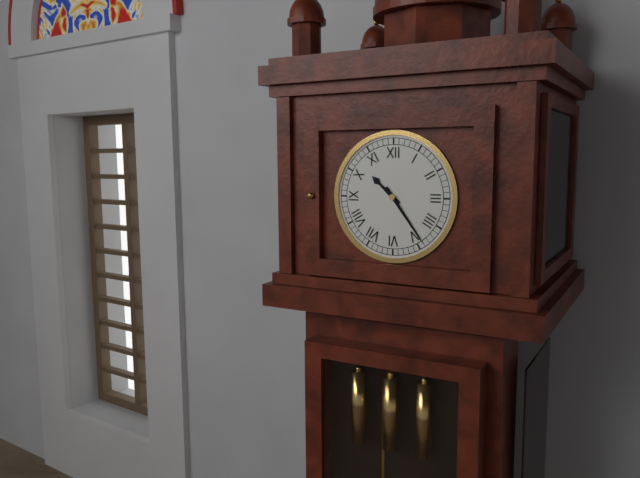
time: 10:24
